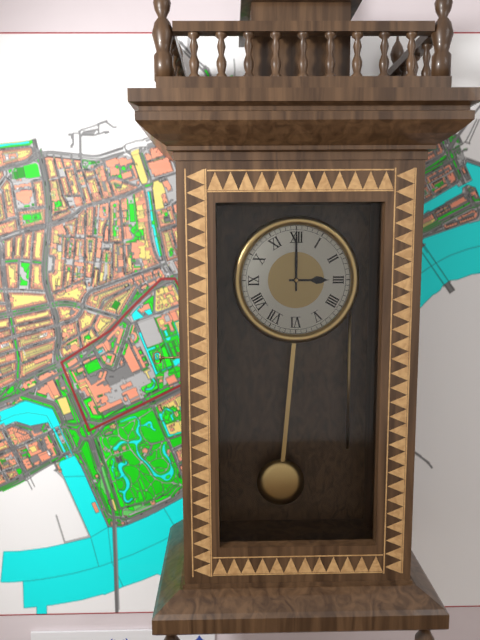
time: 3:00
